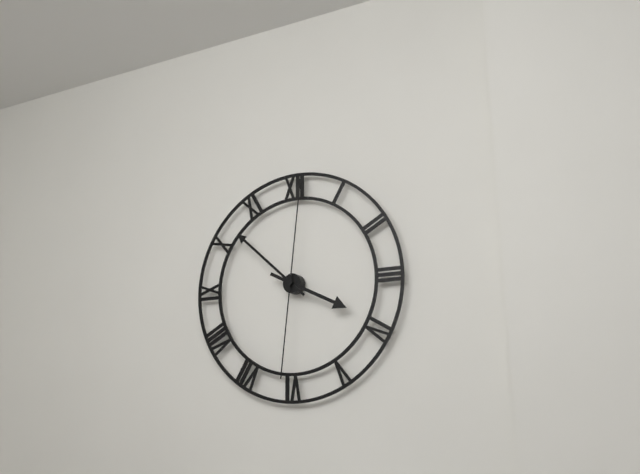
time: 3:52:01
